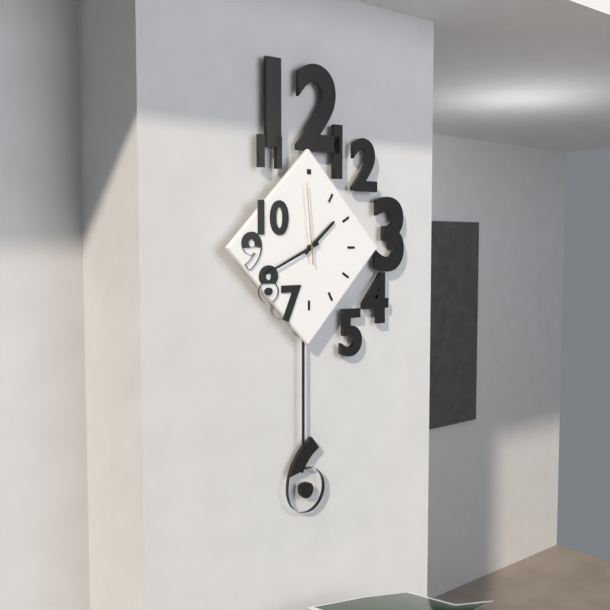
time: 1:41:59
